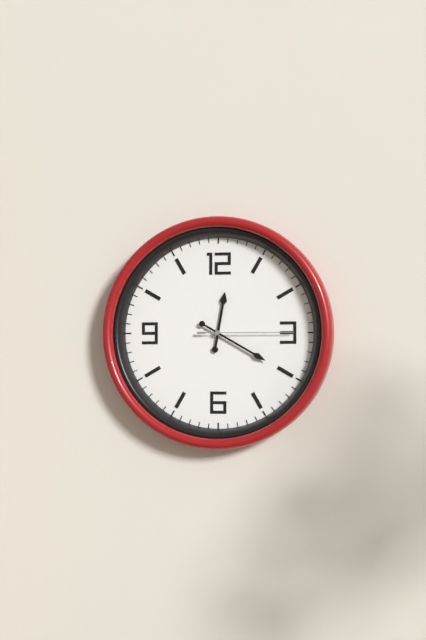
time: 12:20:15
